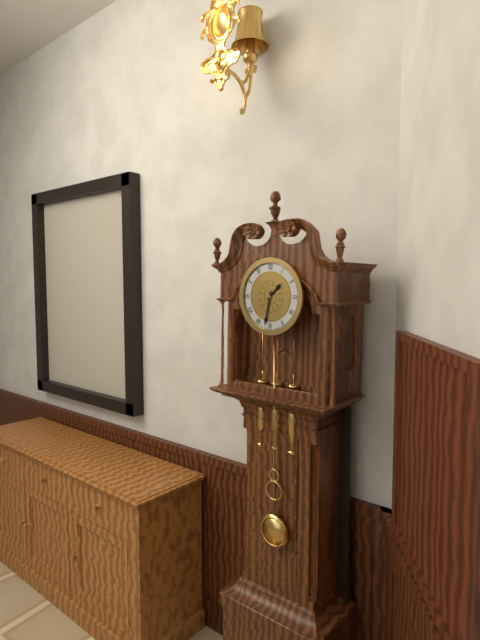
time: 1:32
